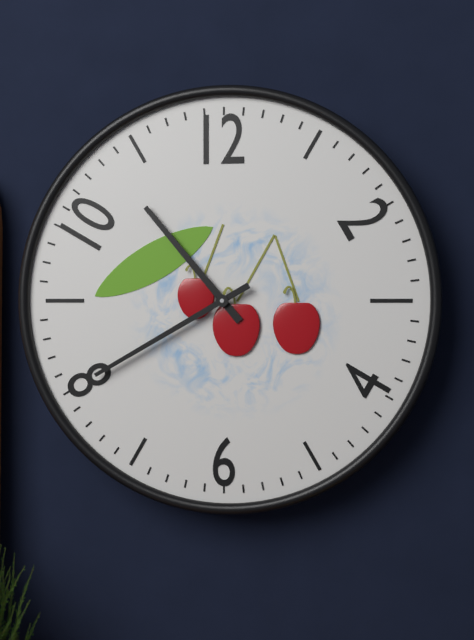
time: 10:40
